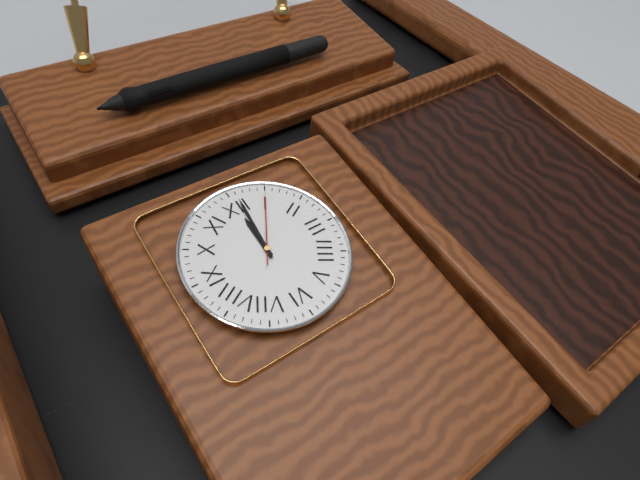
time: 12:01:05
